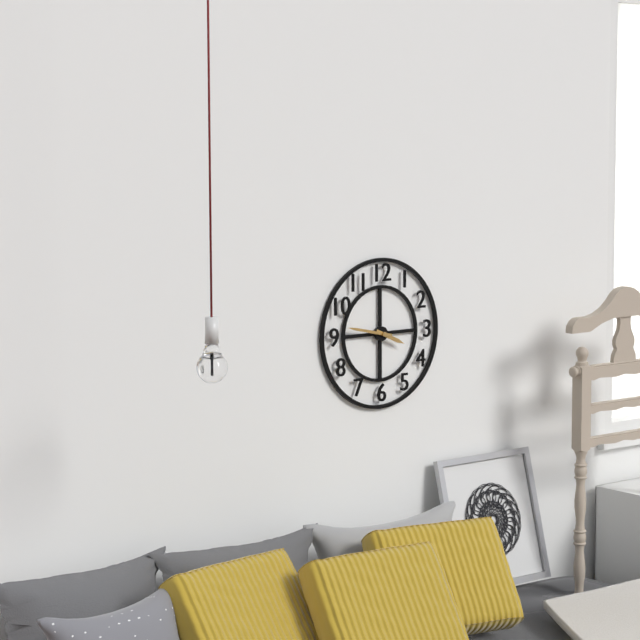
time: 3:47
